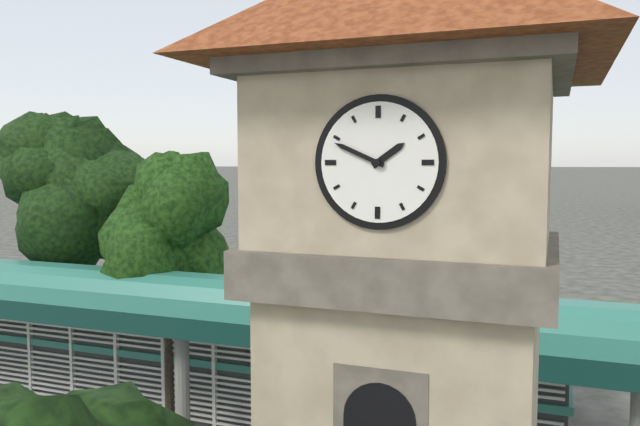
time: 1:49
